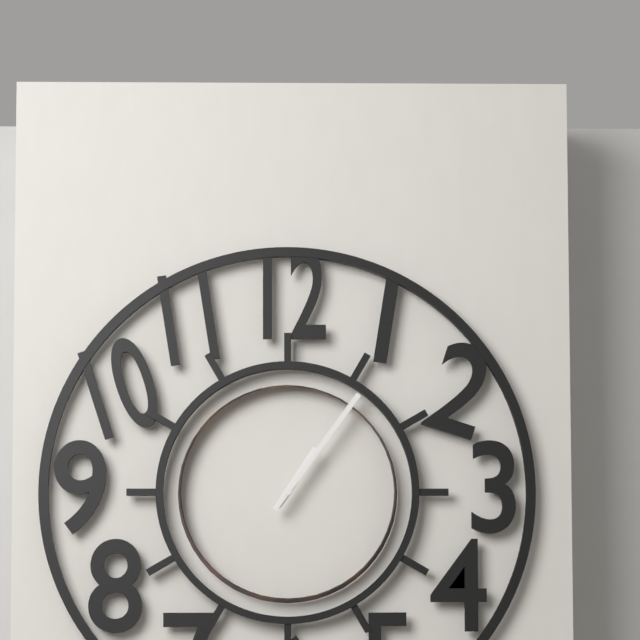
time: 1:06
